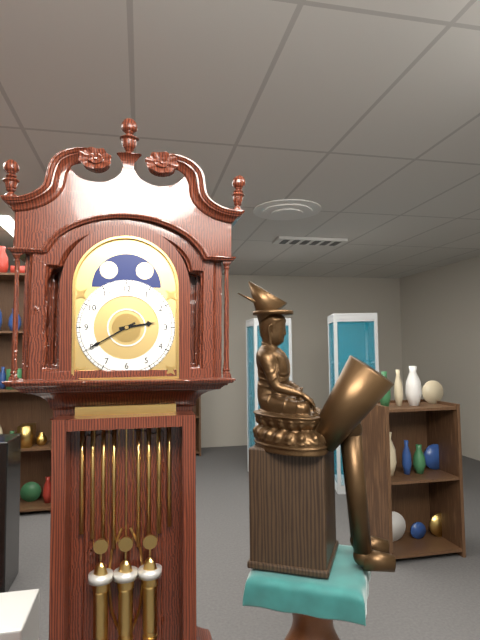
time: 2:40
